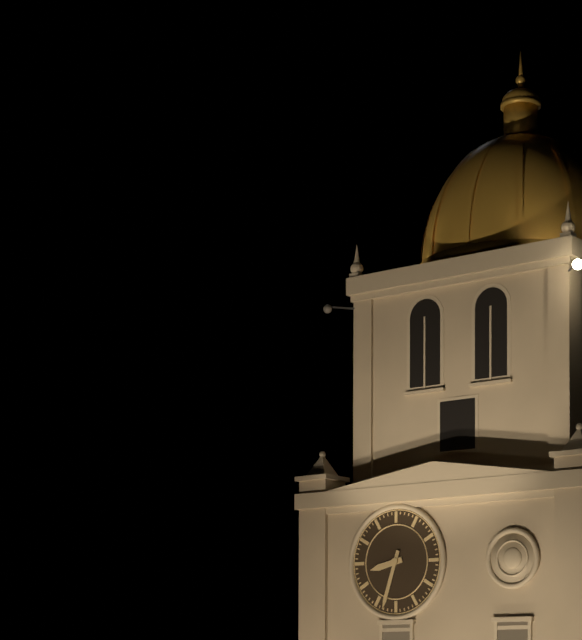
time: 8:33
